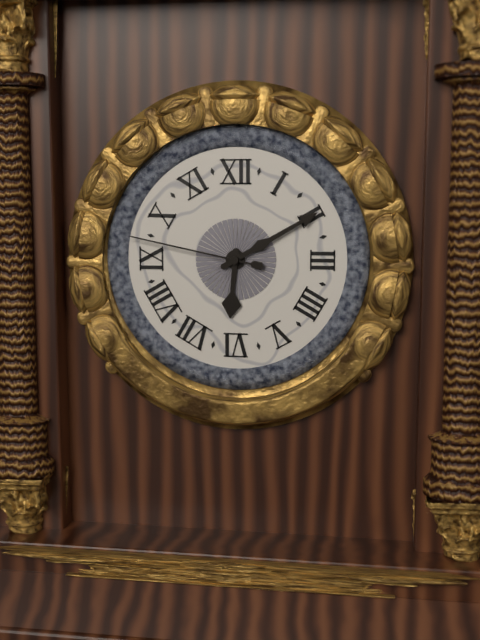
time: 6:10:47
